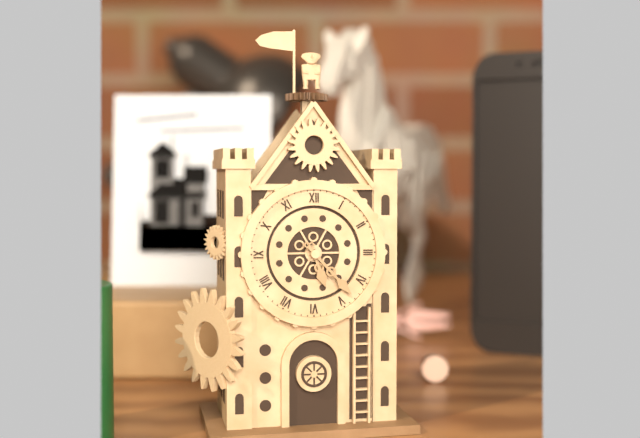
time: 5:23
